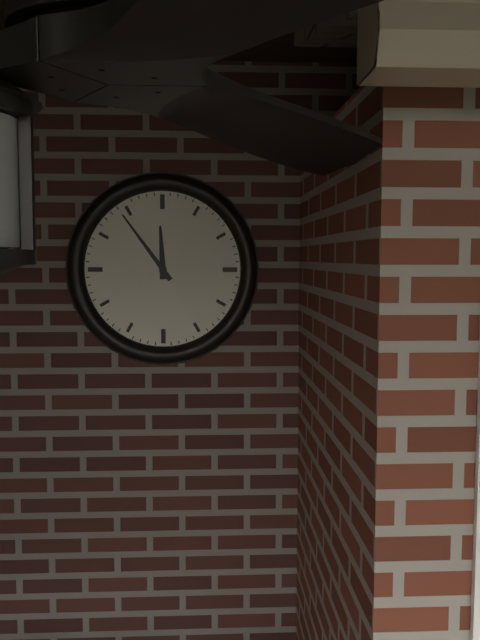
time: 11:54
